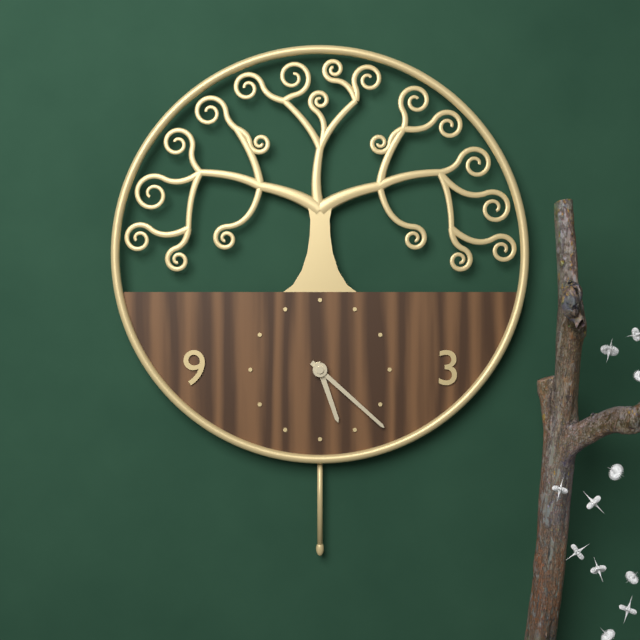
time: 5:22
